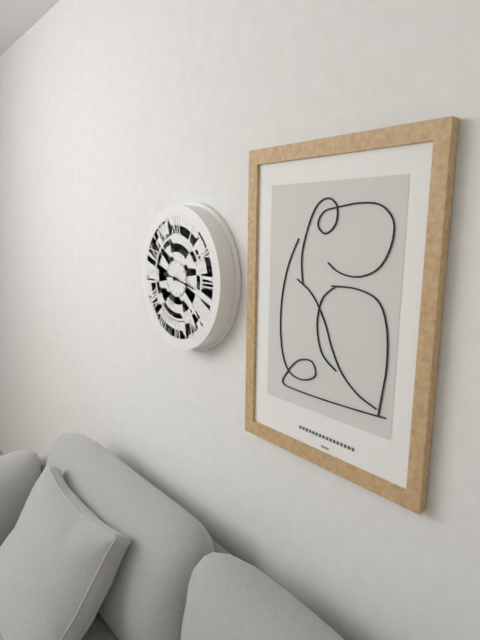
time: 9:17
